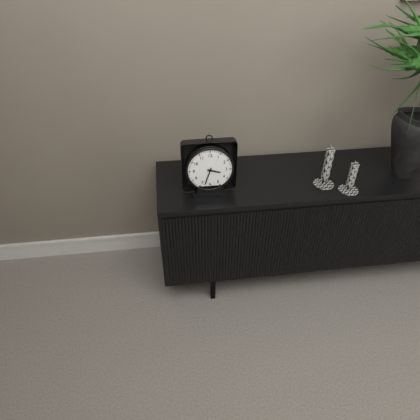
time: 3:33
